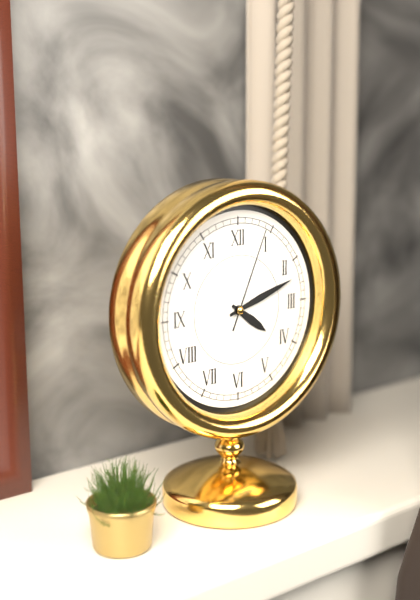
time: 4:12:04
